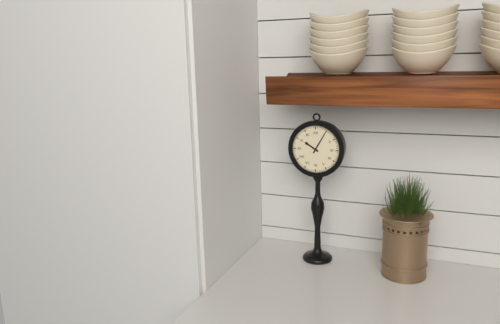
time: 10:05
